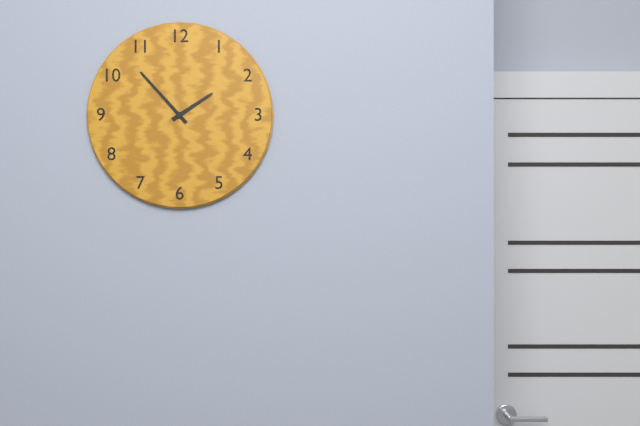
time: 1:53
